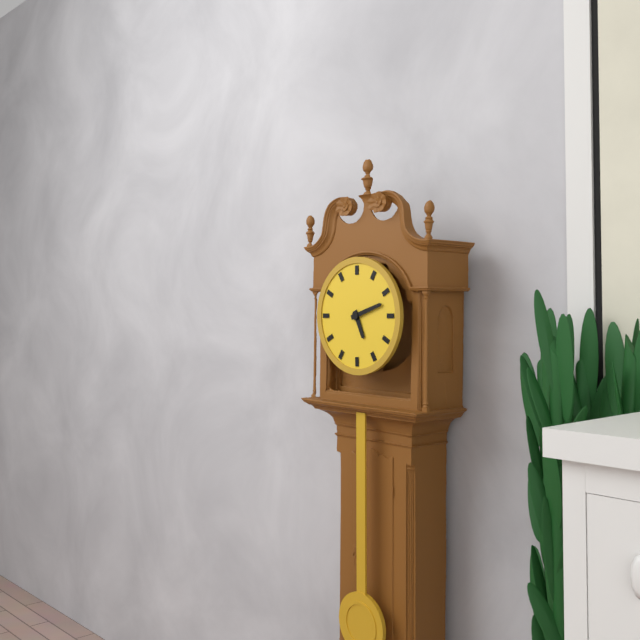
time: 5:12
